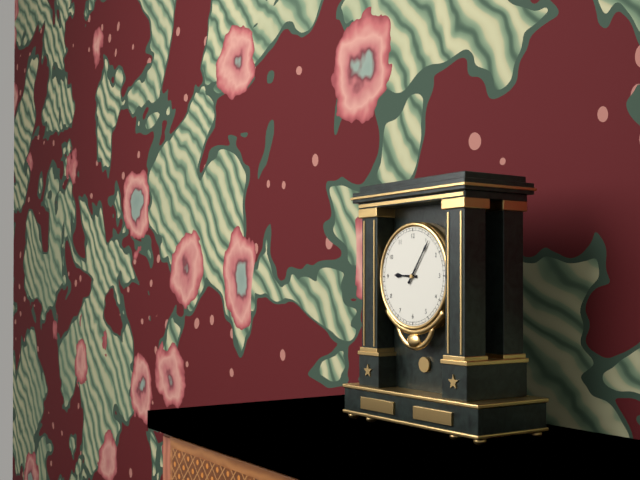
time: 9:06
